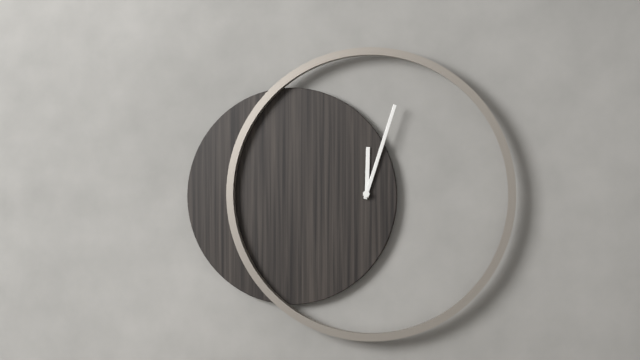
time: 12:03
